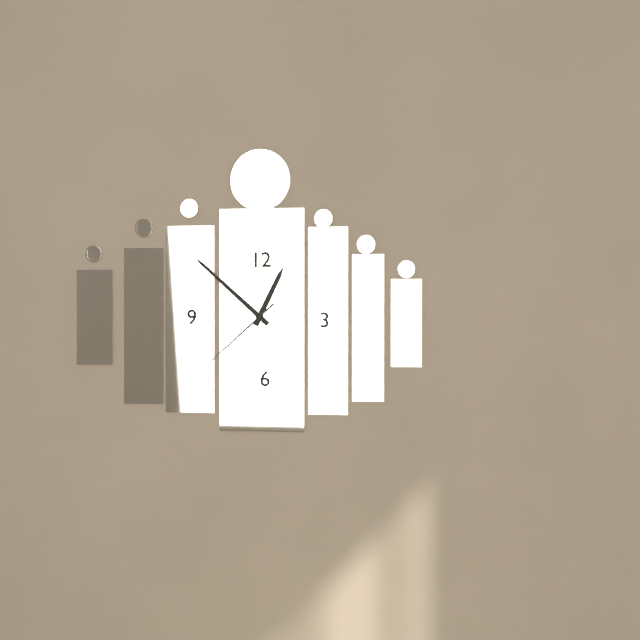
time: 12:52:38
